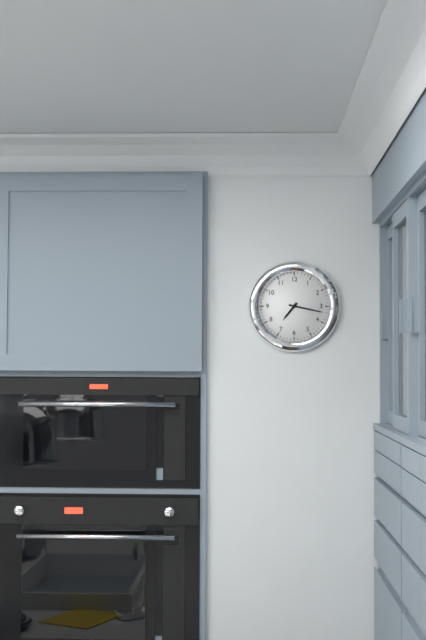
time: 7:17
